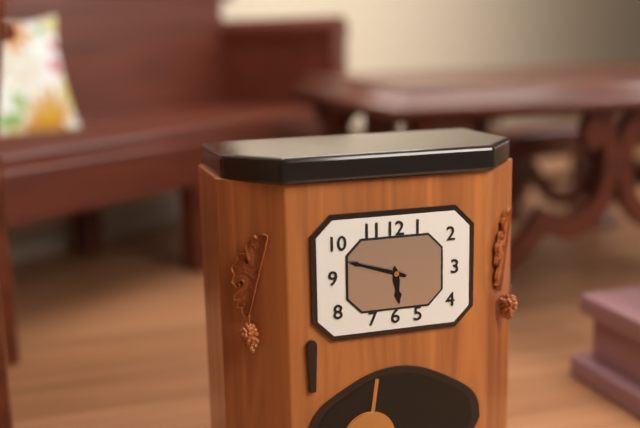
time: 5:48
